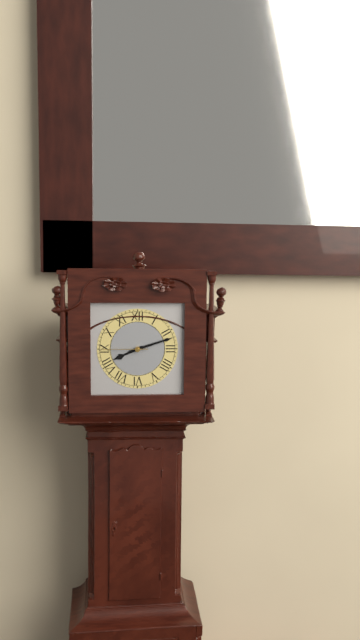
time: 8:12
